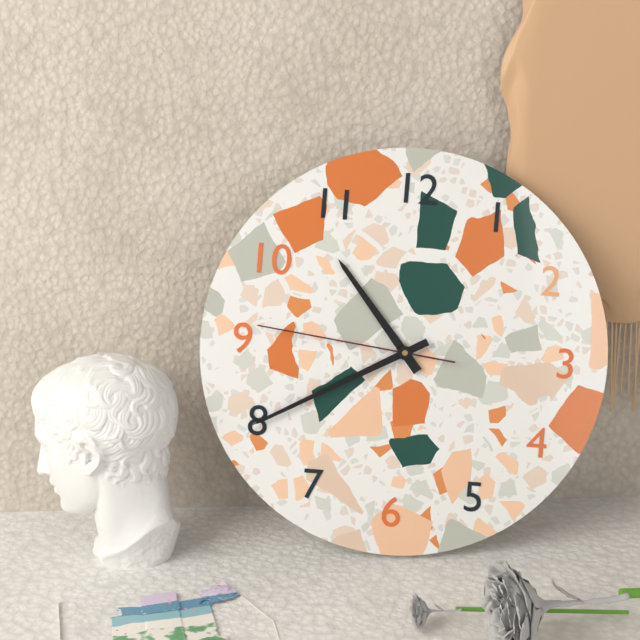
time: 10:40:46
